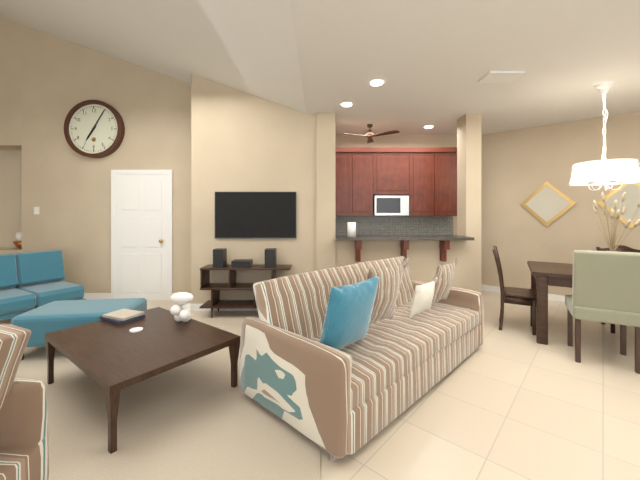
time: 7:05
